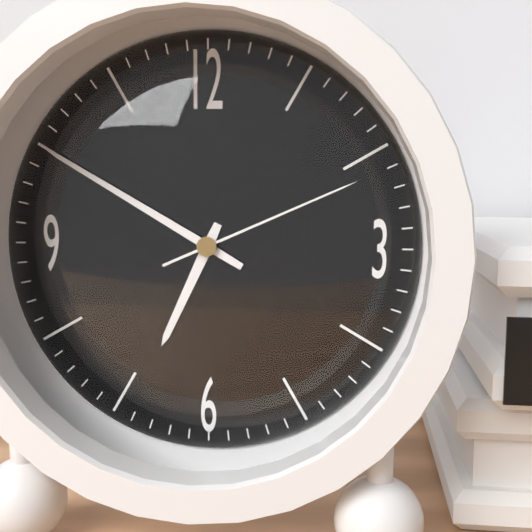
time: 6:50:11
